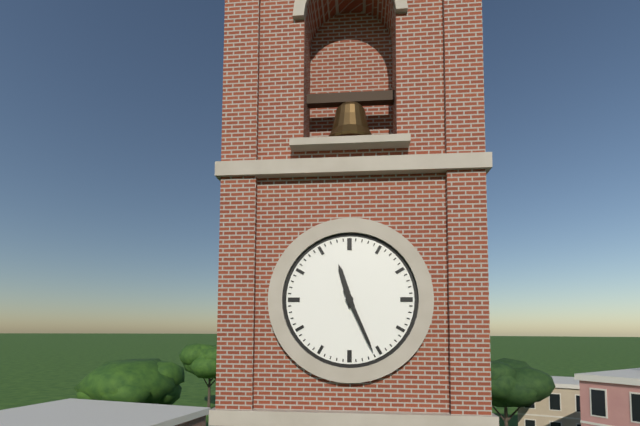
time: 11:26
